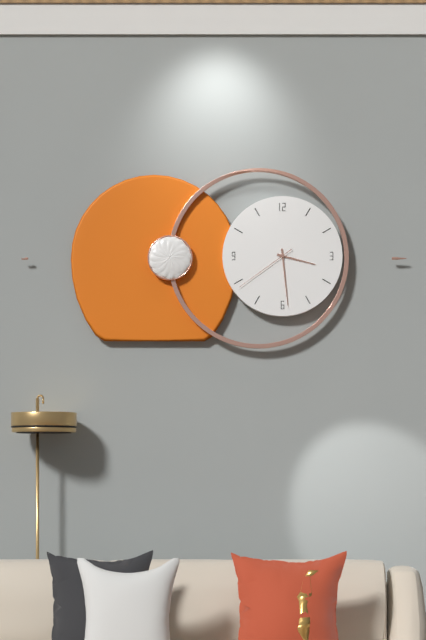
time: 3:29:39
